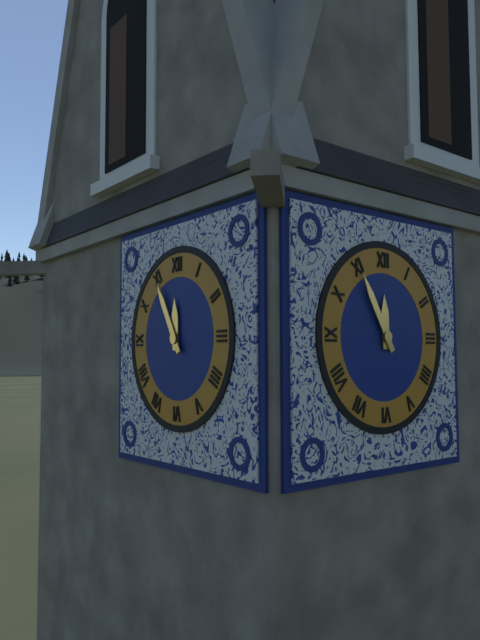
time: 11:55
